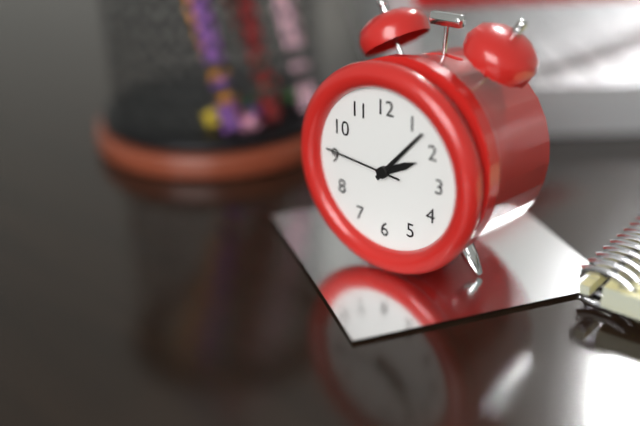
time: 2:07:46
